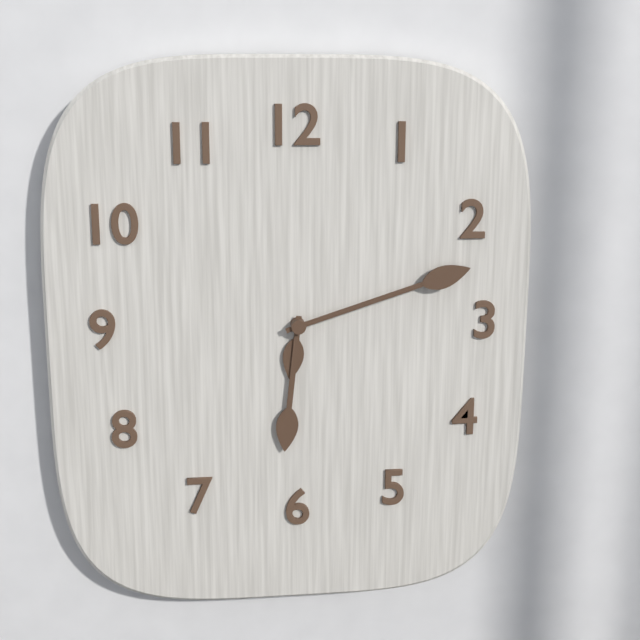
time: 6:12
